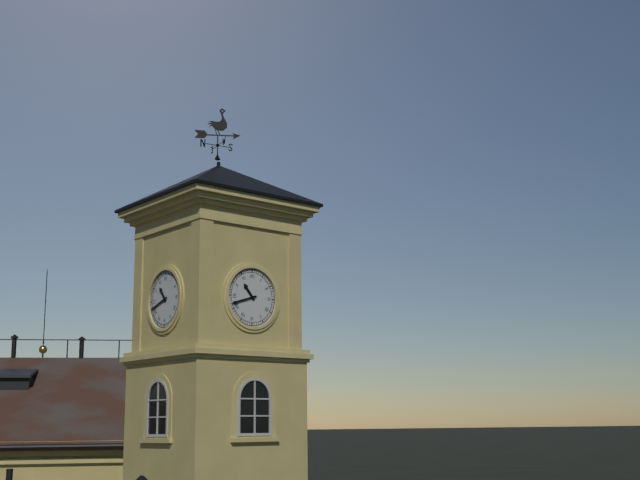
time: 10:42
